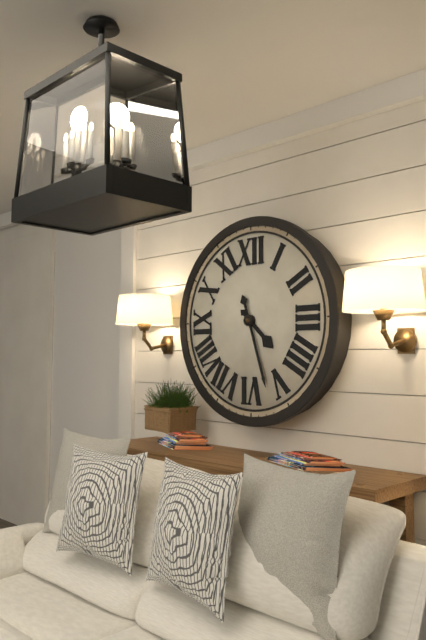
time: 4:27
